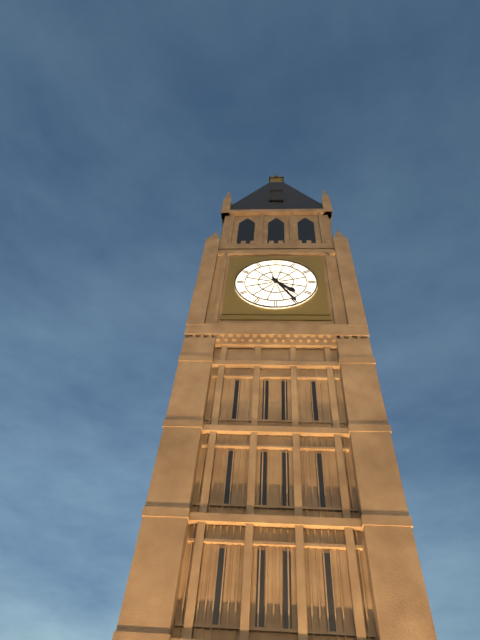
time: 4:25
